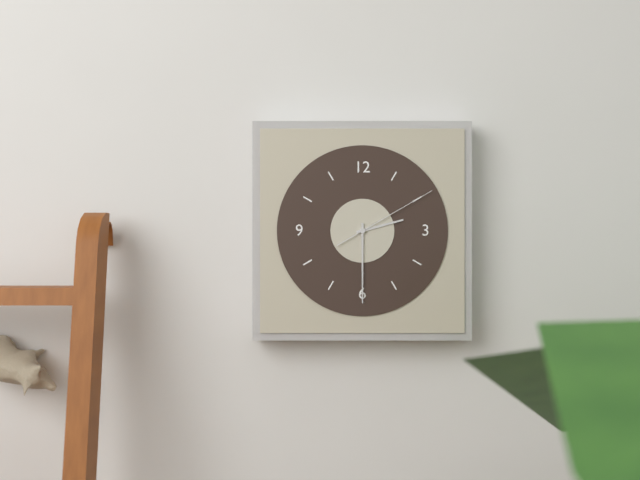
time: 2:30:10
